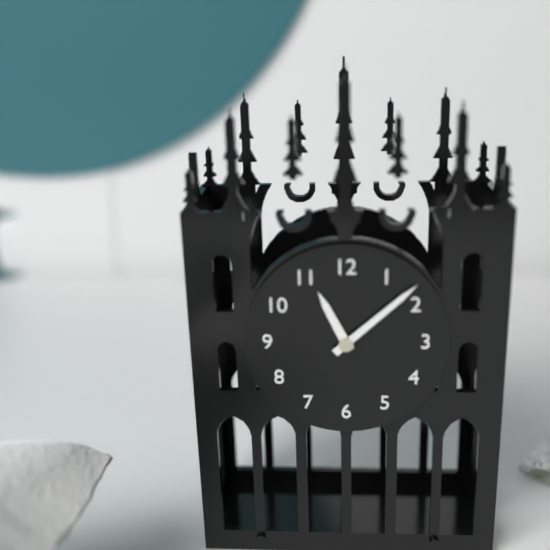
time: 11:08
